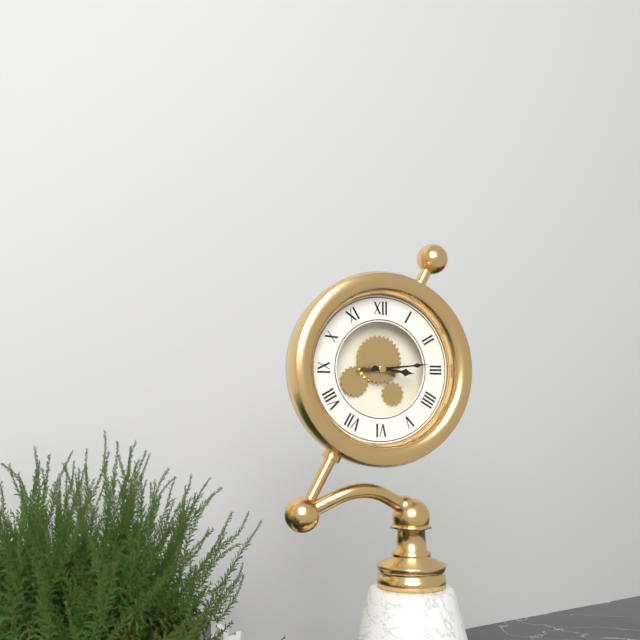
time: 3:14
